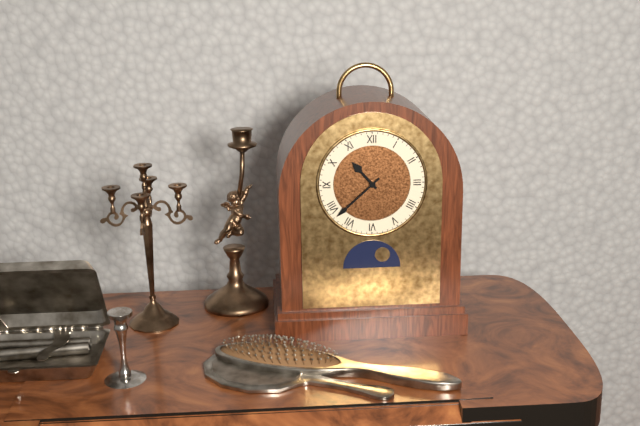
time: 10:38
